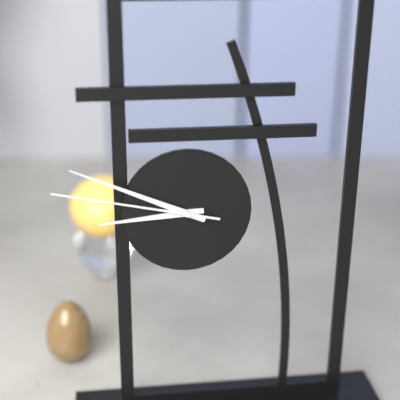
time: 8:49:47
